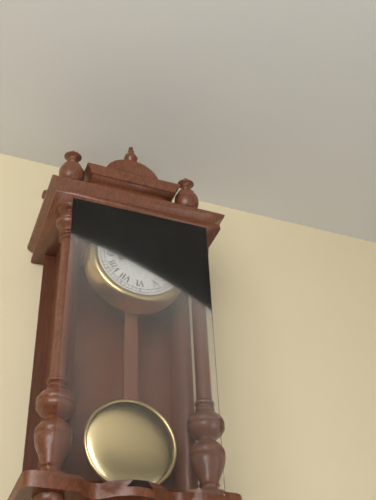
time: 2:20
